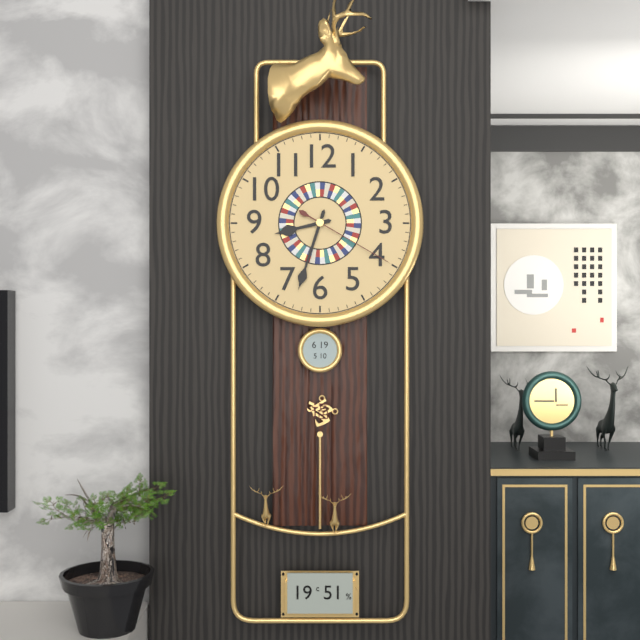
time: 8:33:20
